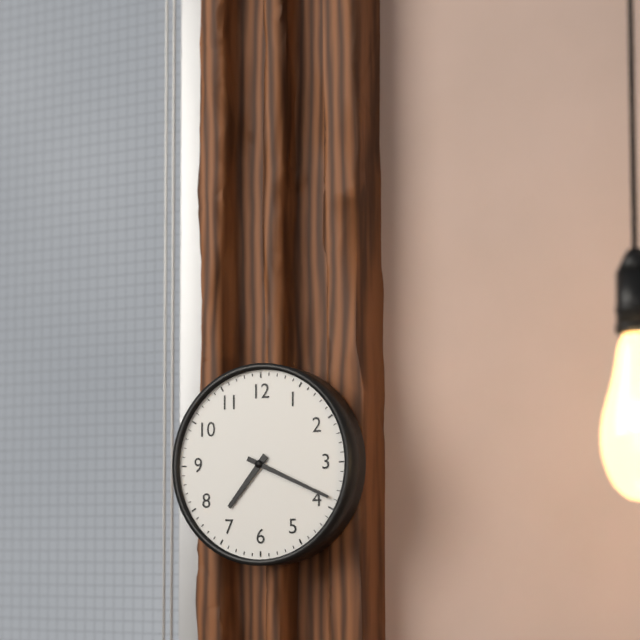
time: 7:19
